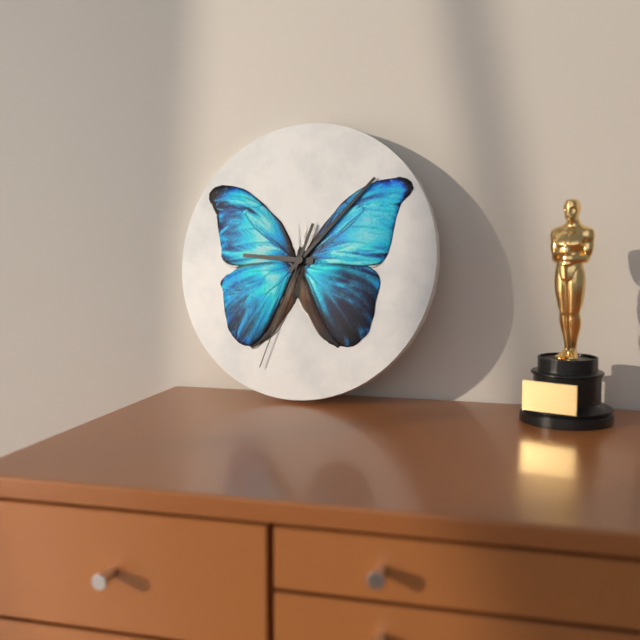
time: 9:07:33
